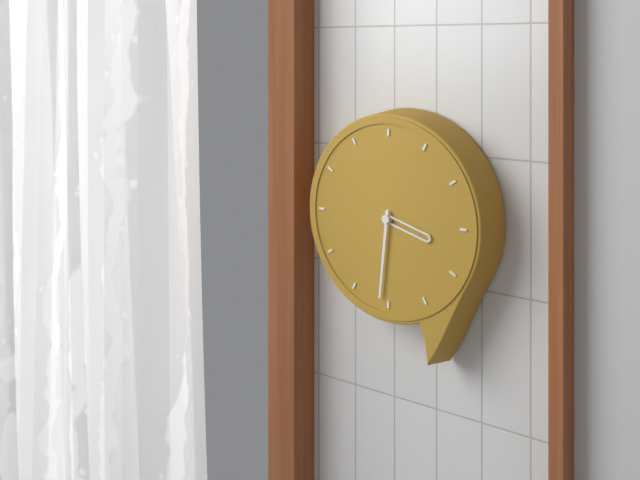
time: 3:31
